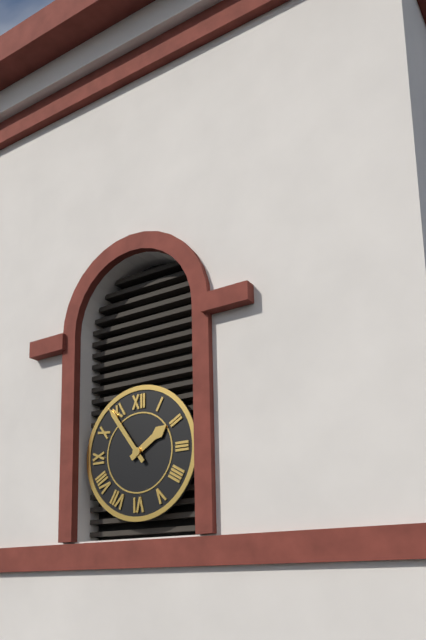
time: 1:54
